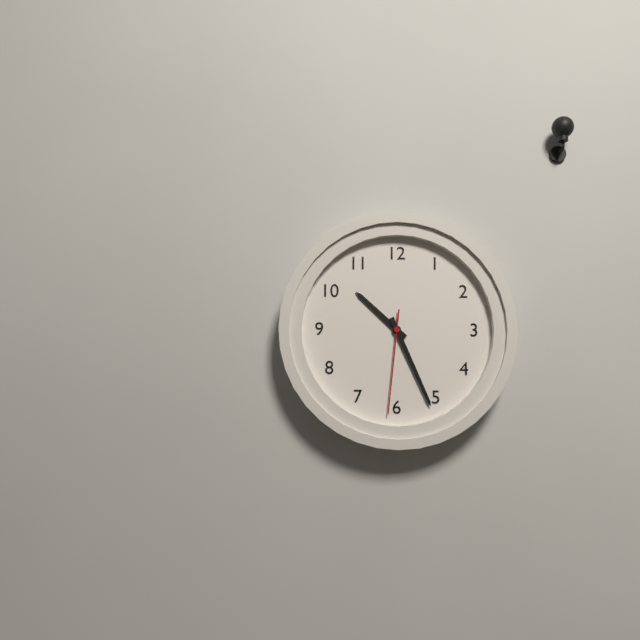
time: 10:26:31
